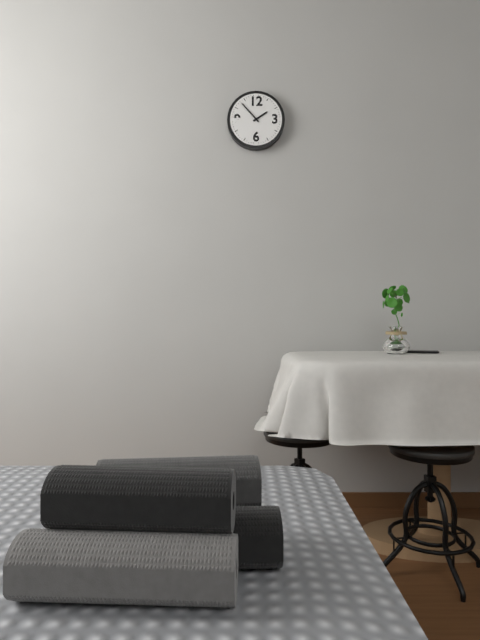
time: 1:53
